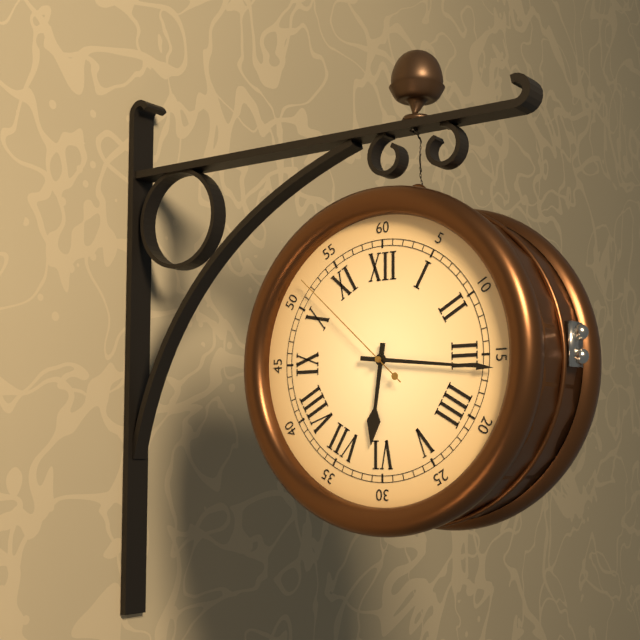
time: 6:16:52
